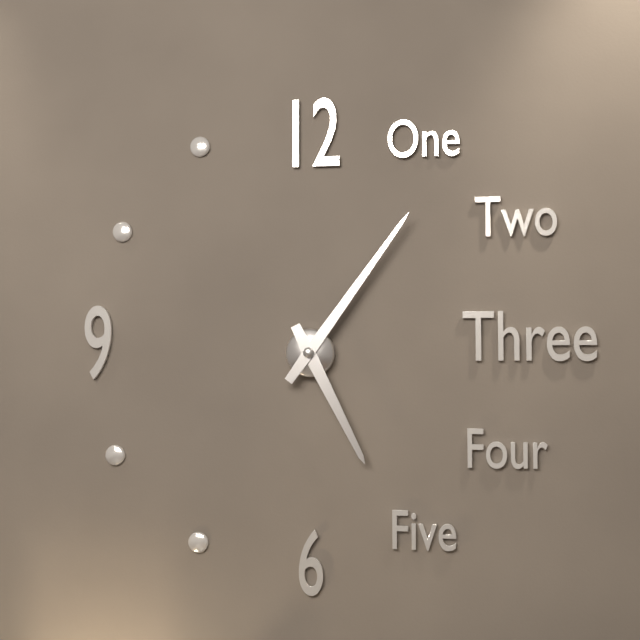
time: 5:06
